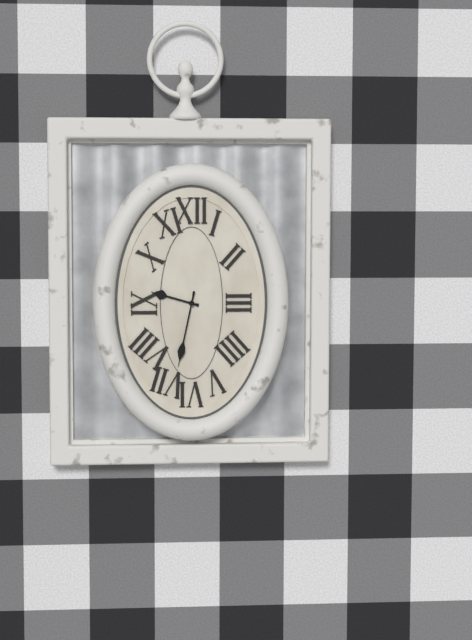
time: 9:32
